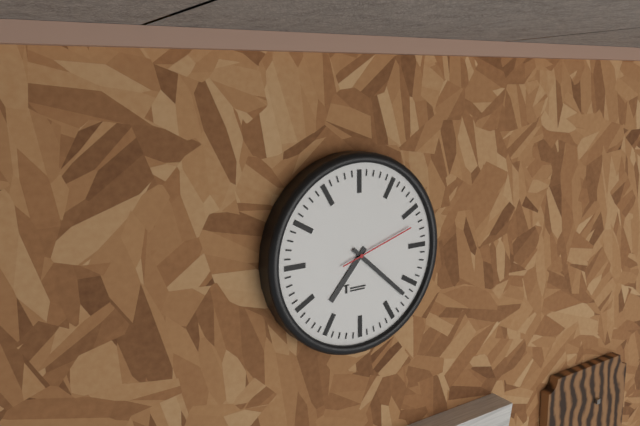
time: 7:22:12
